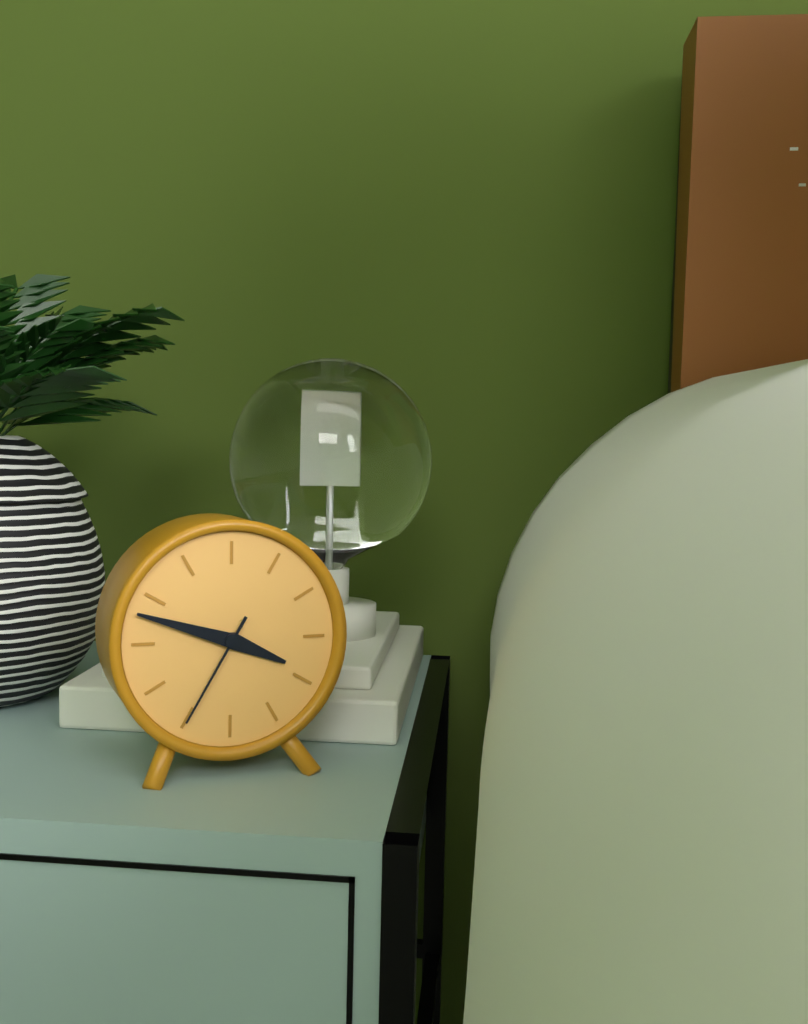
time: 3:48:35
